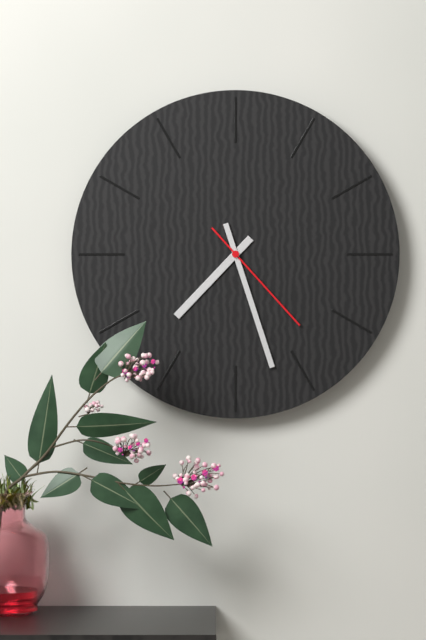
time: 7:27:23
